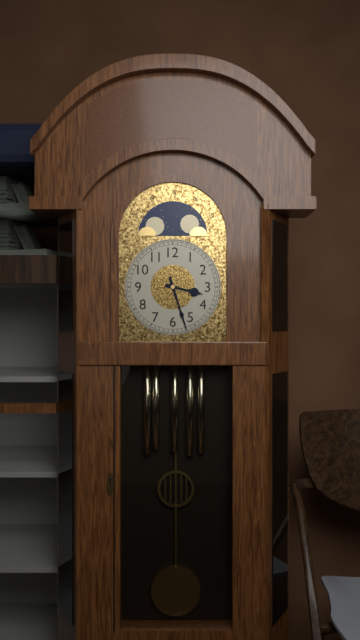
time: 3:27
